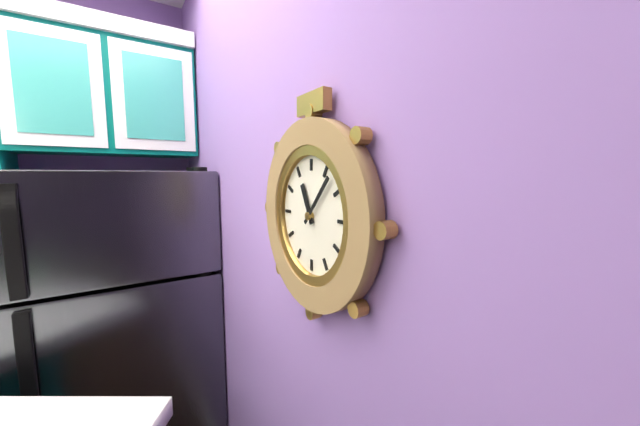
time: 11:07
